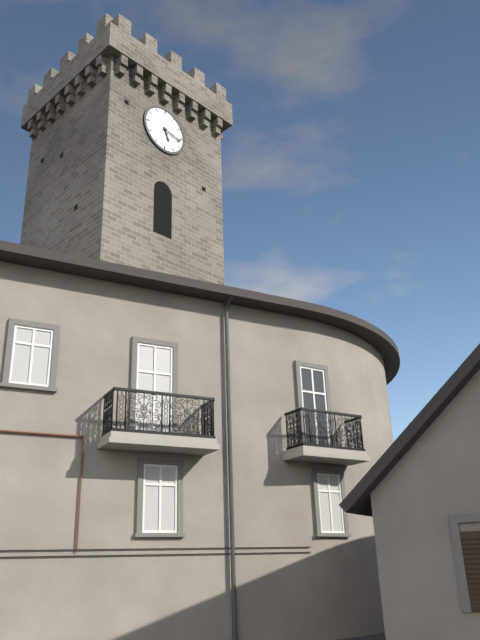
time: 5:17
